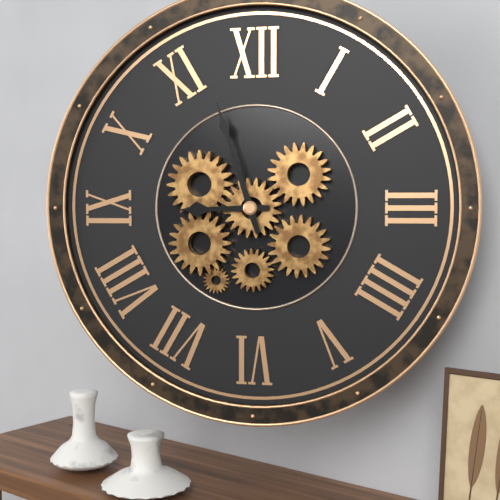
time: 8:57
